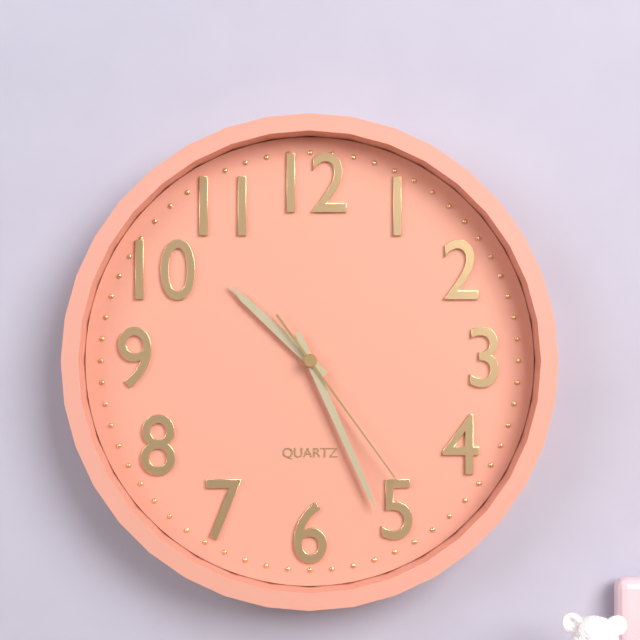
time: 10:26:24
